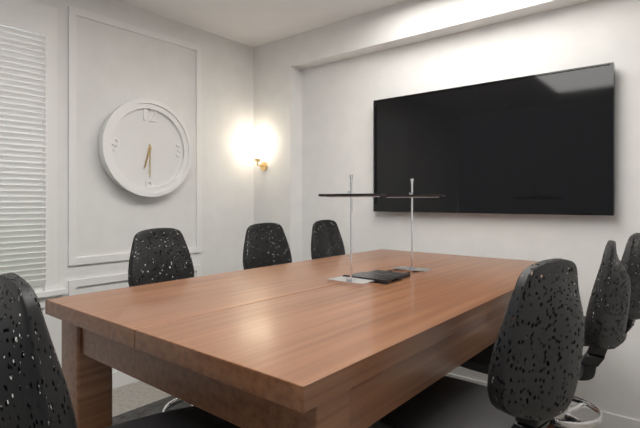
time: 6:30
